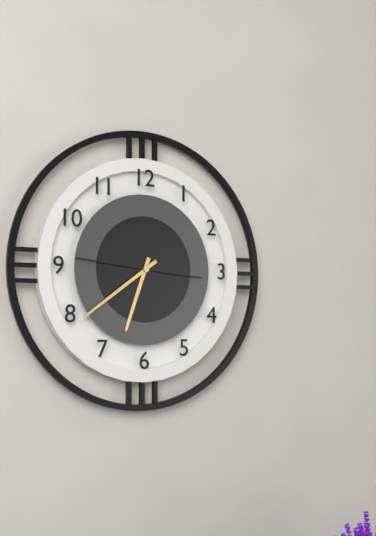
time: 6:39:46
